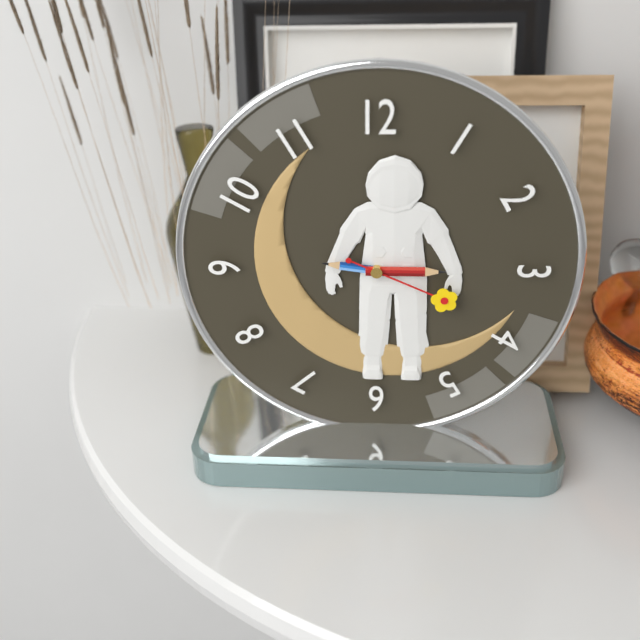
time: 9:15:19
